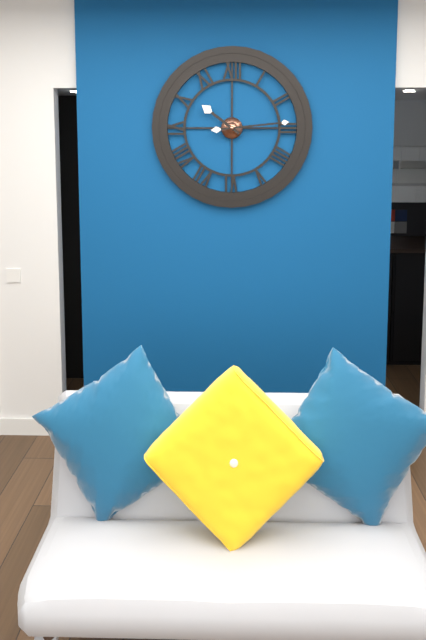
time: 10:14
